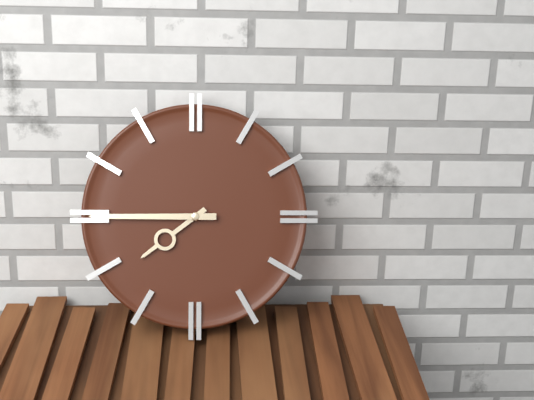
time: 7:45
